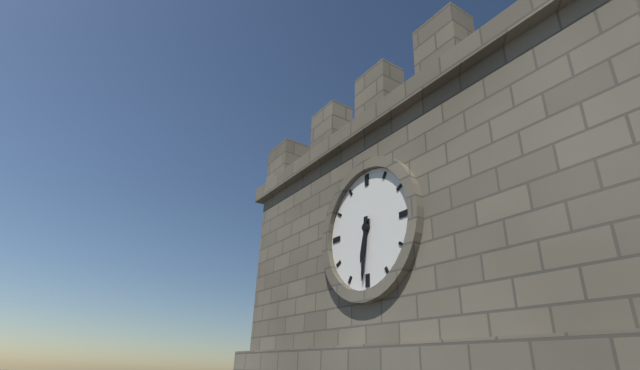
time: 6:31
